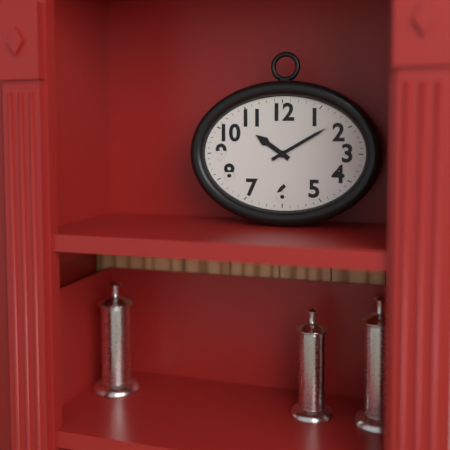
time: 10:10
